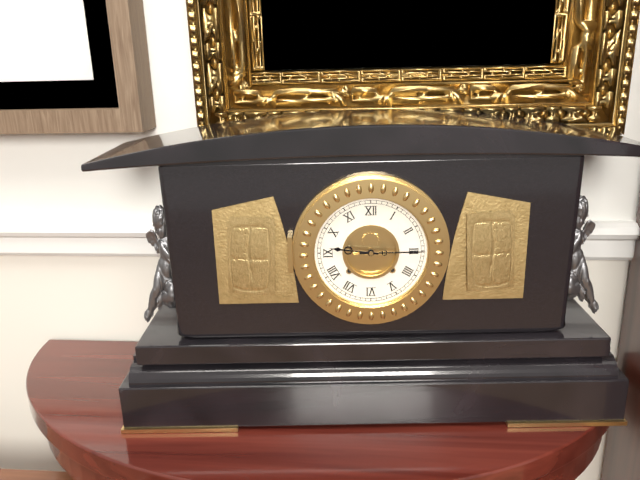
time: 9:15
